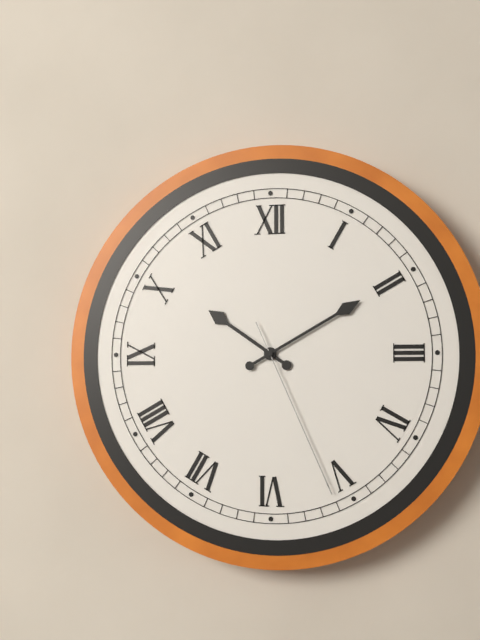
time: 10:10:26
